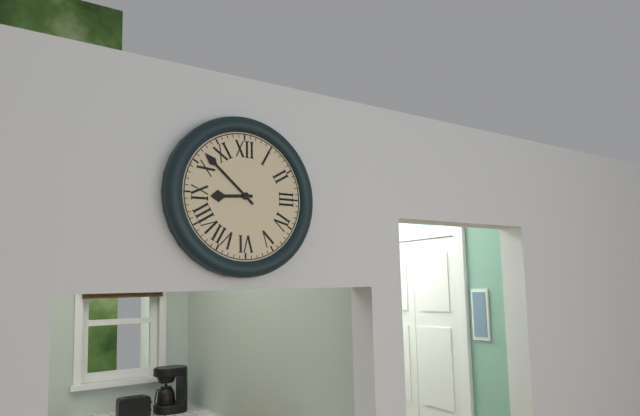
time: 8:52
